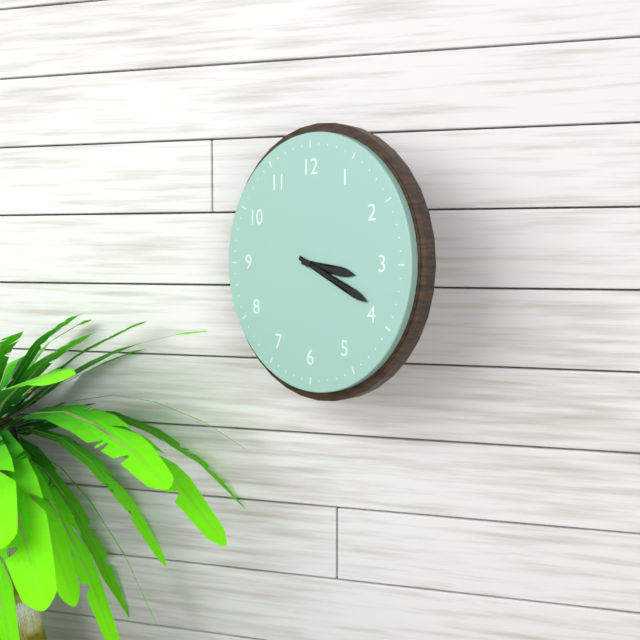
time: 3:19
